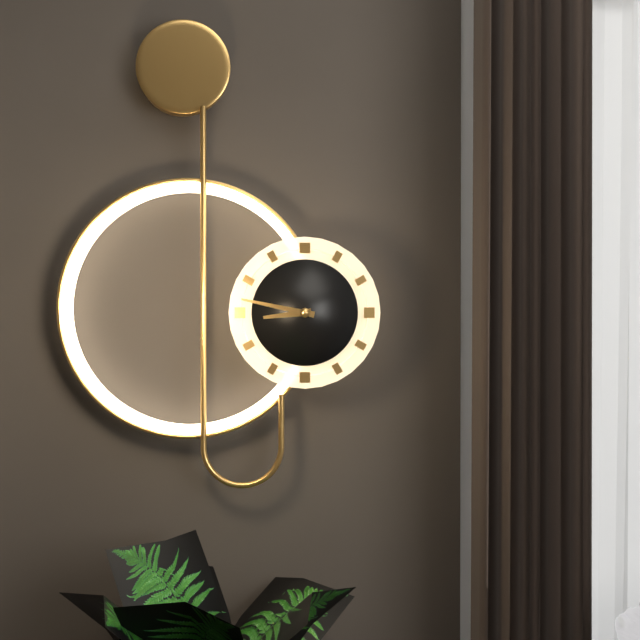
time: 8:47
